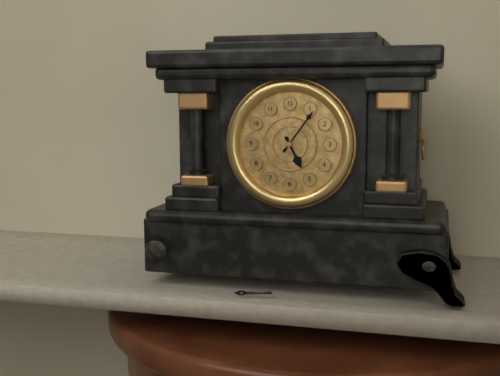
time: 5:06
